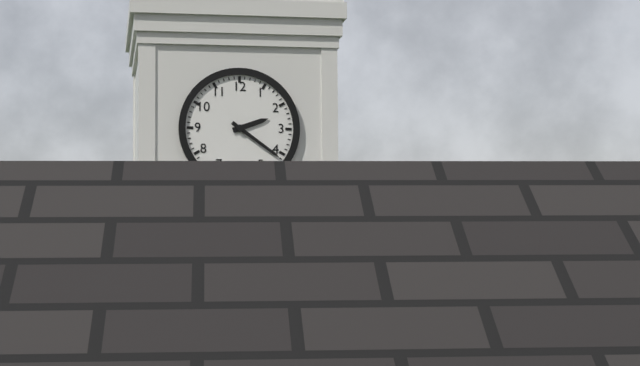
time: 2:21
